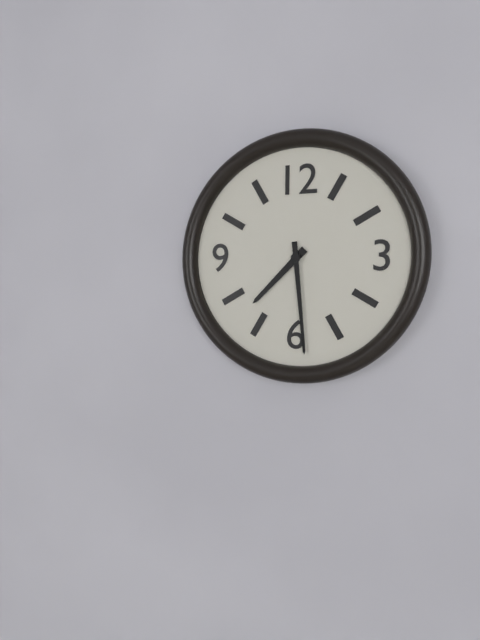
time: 7:29
